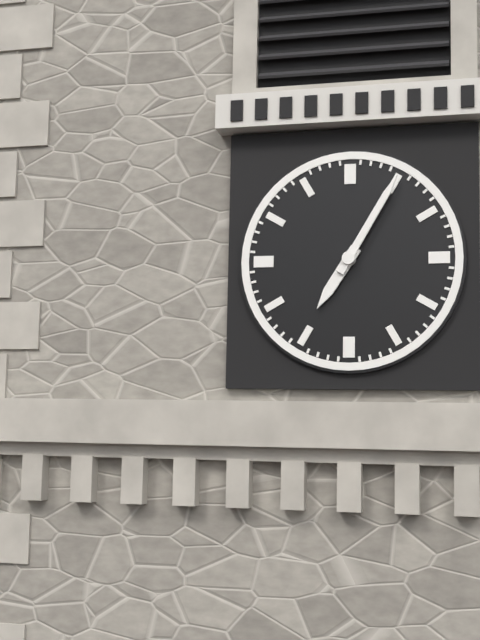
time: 7:05
